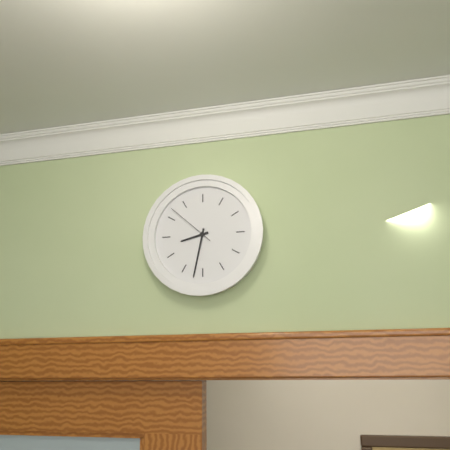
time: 8:32:52
